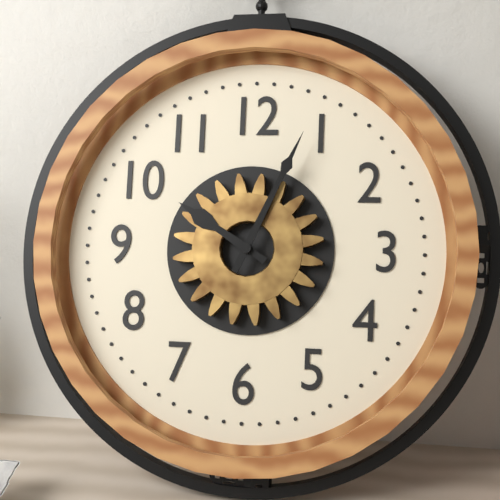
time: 10:04
